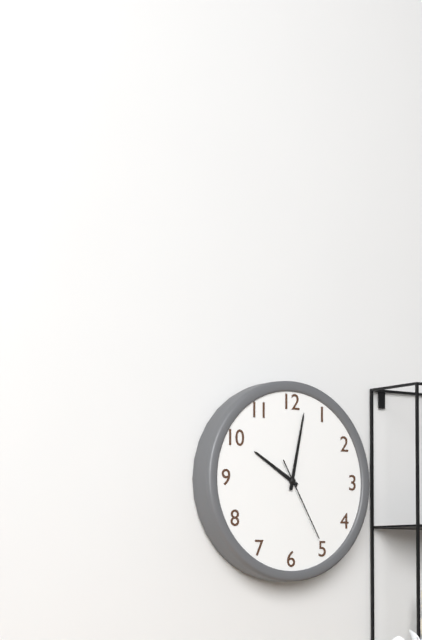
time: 10:02:25
